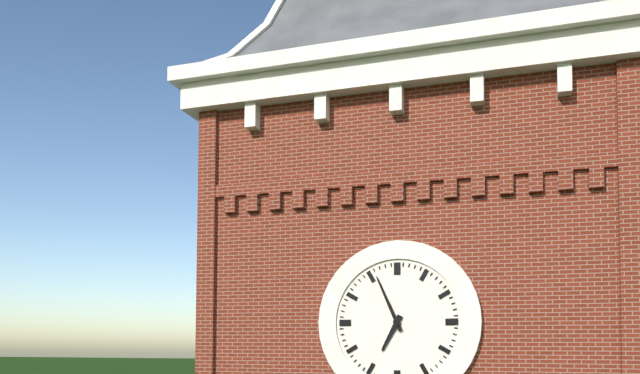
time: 6:56
